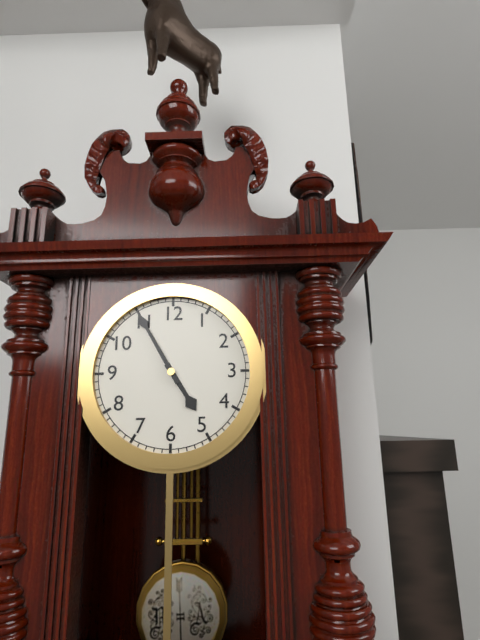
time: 4:55
